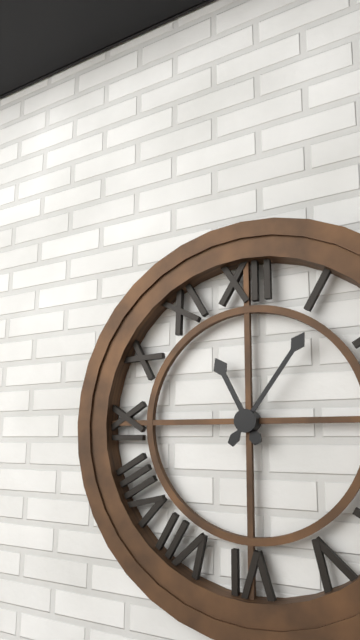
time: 11:06
